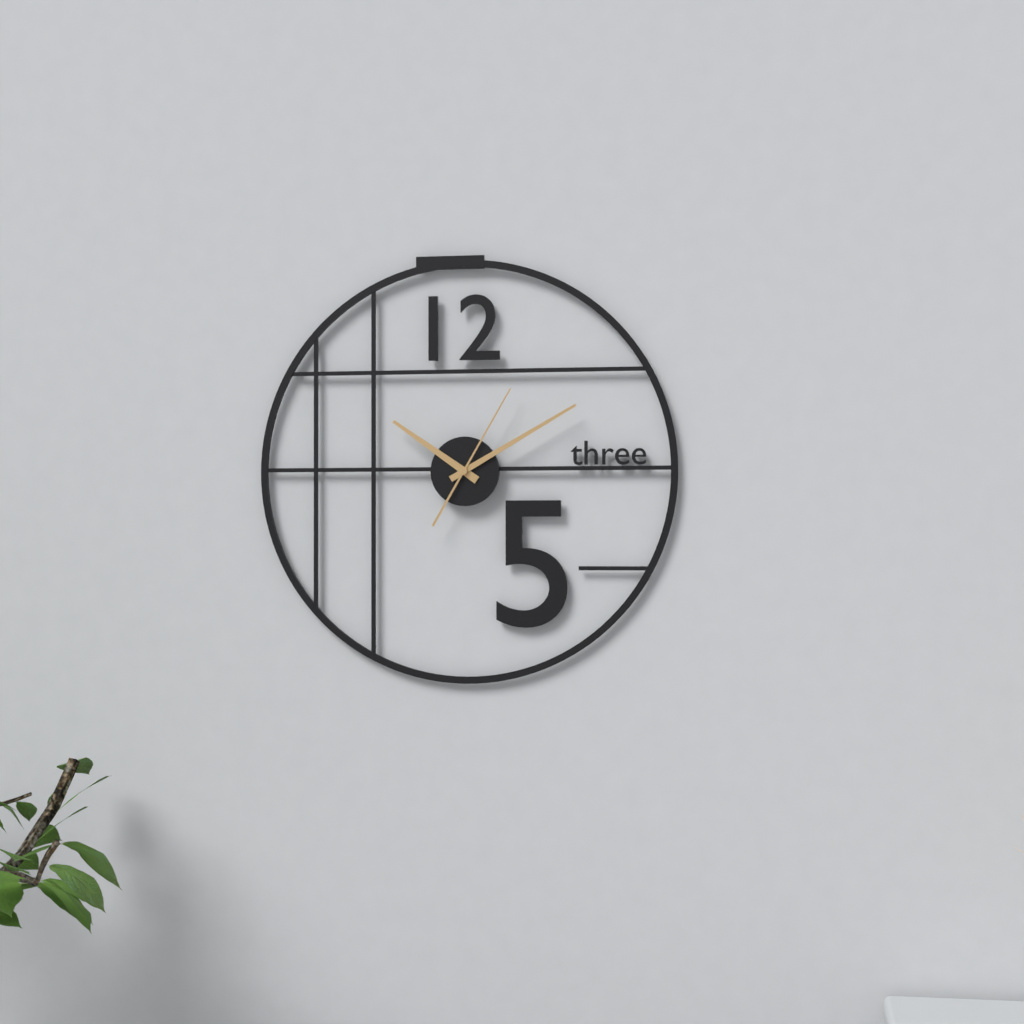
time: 10:10:05
